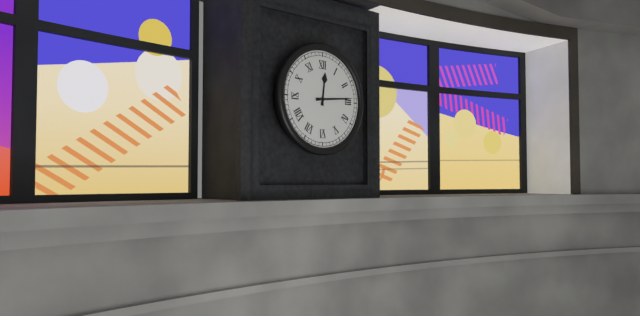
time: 12:14
